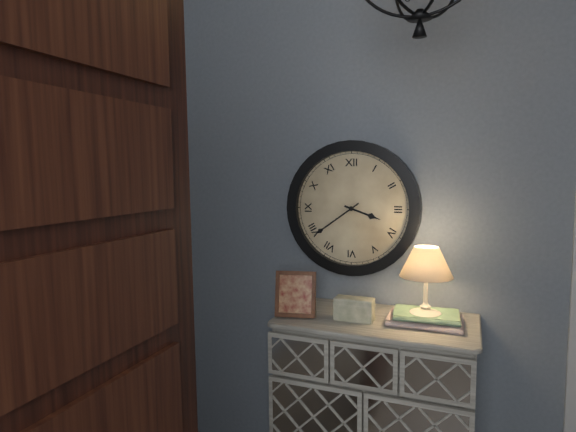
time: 3:39
